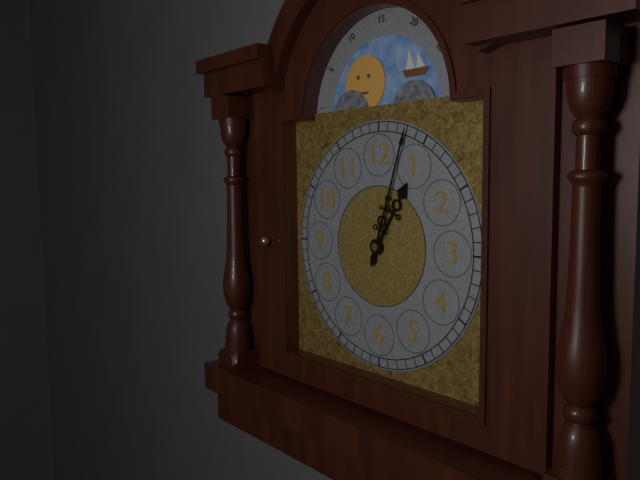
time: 1:03
